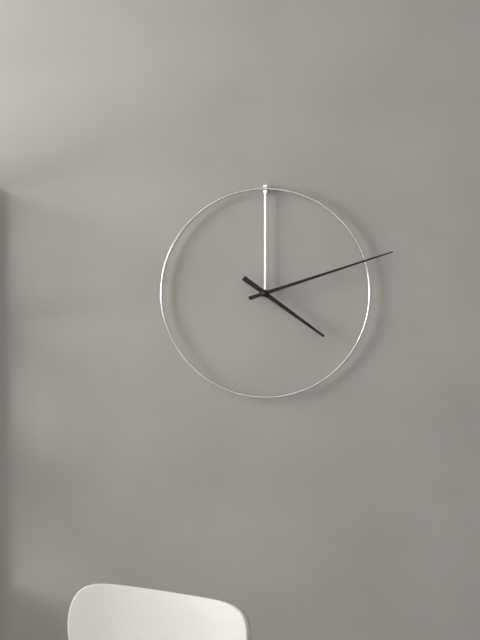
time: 4:12
